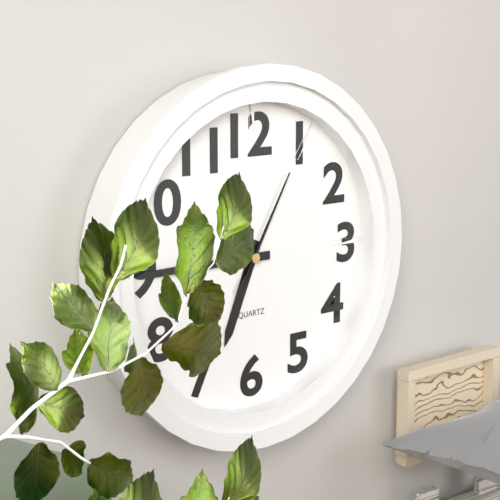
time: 6:45:05
